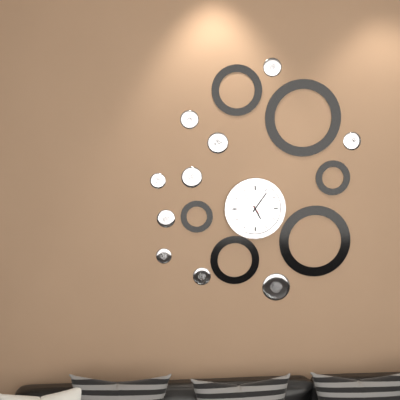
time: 5:06
